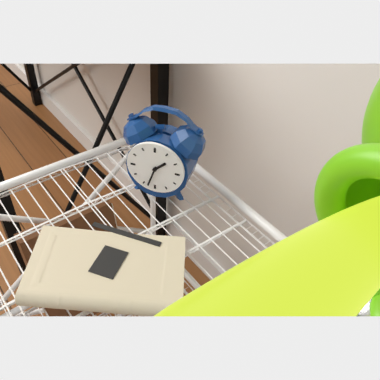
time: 1:33
